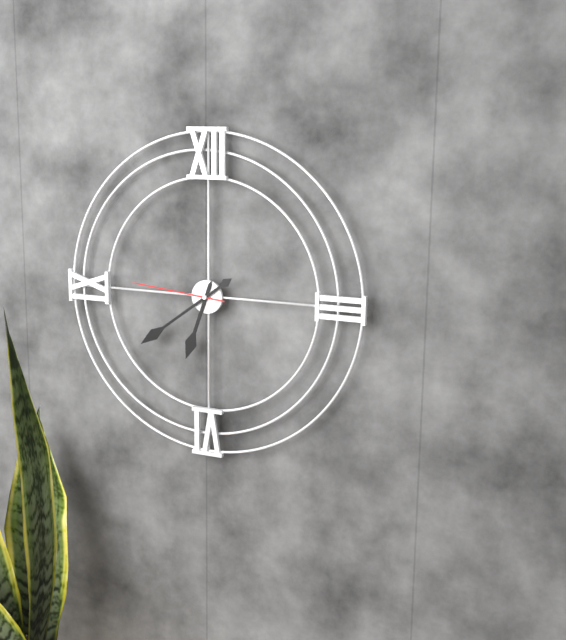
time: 6:39:46
